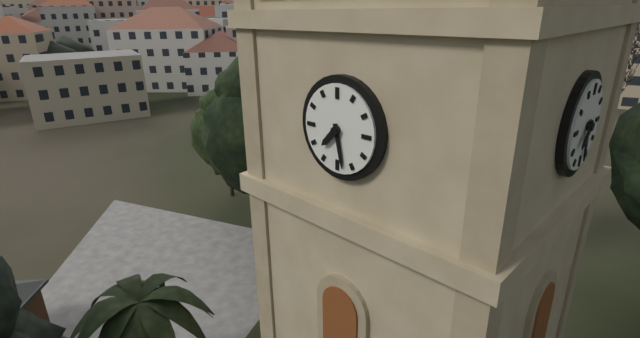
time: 7:28
